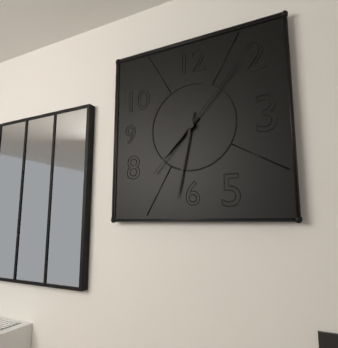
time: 7:32:07
